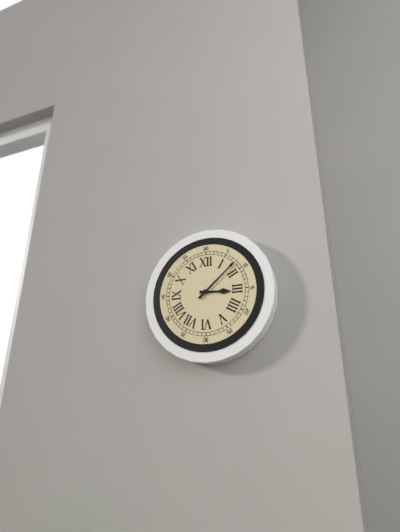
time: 3:08
